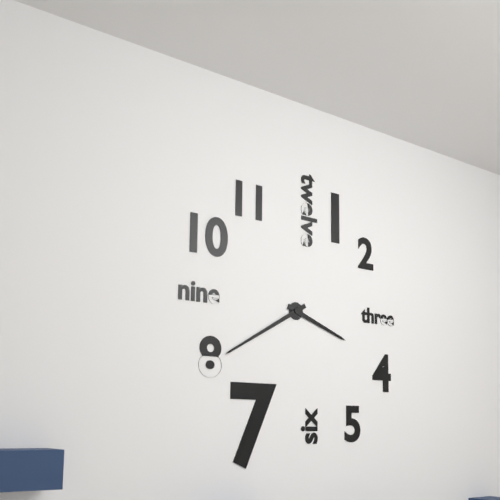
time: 3:40
